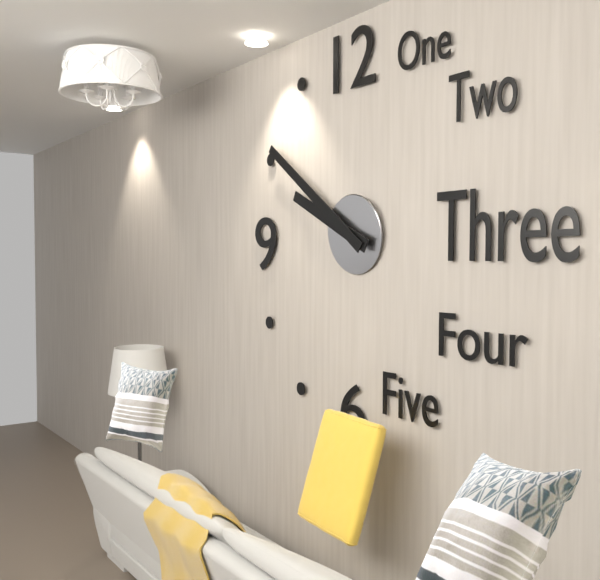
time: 9:51
